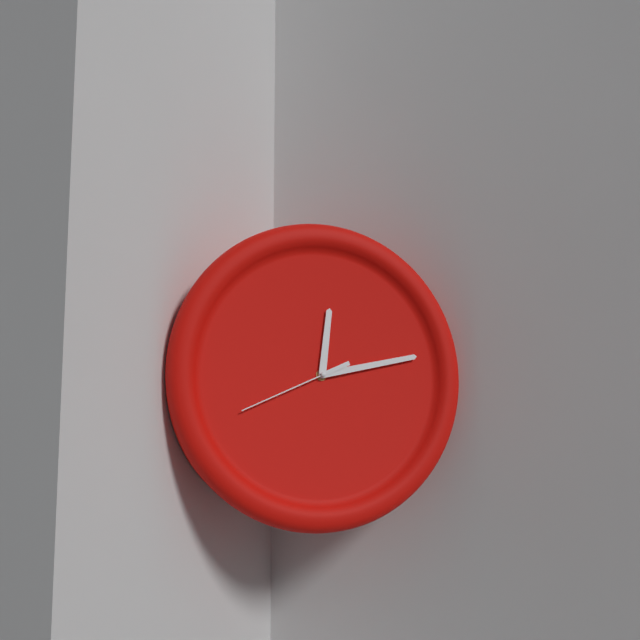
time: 12:13:41
